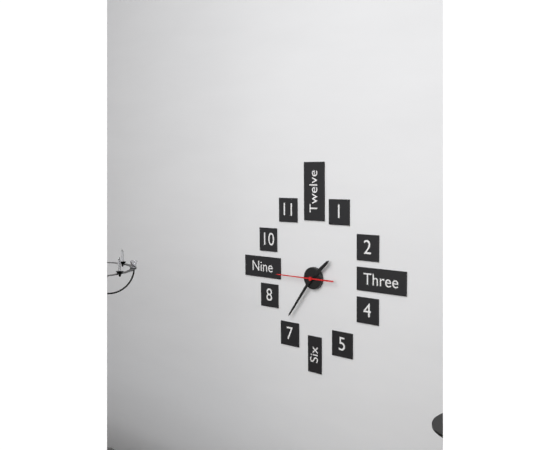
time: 1:36
